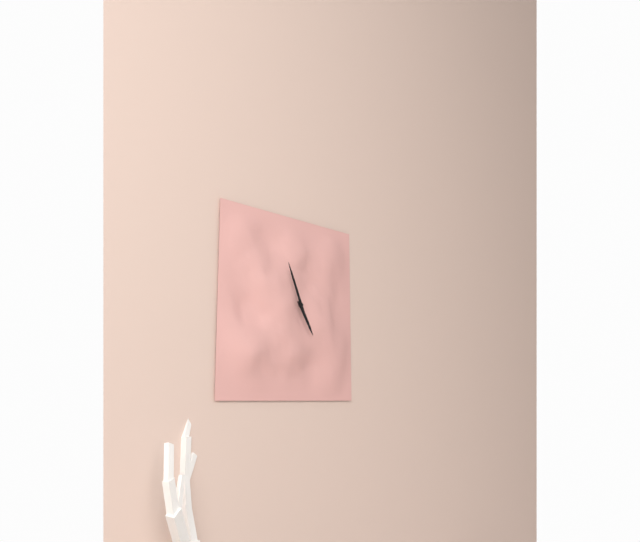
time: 4:56
